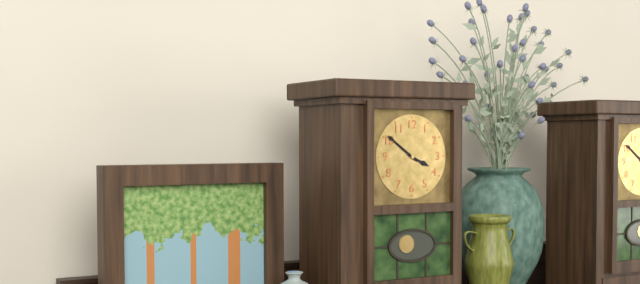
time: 3:51
